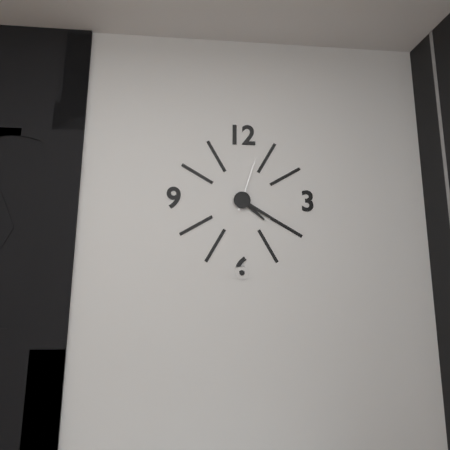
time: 4:20:03
